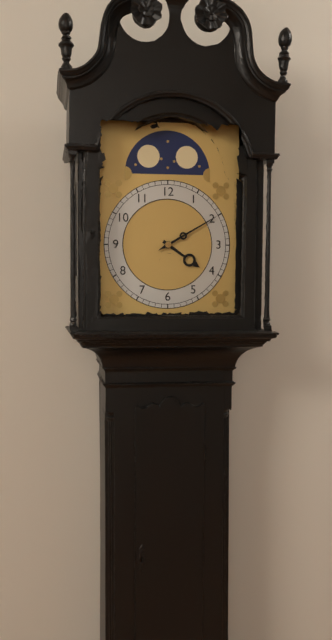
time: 4:10
